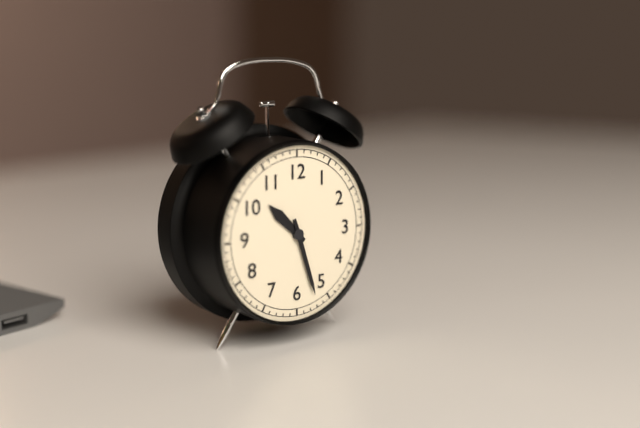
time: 10:27
